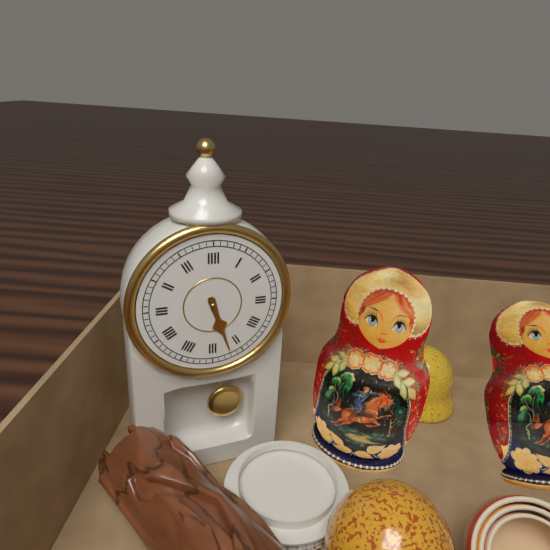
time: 5:27
